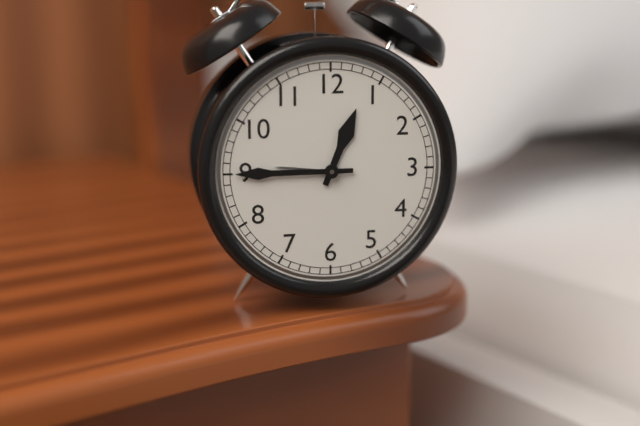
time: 12:45
